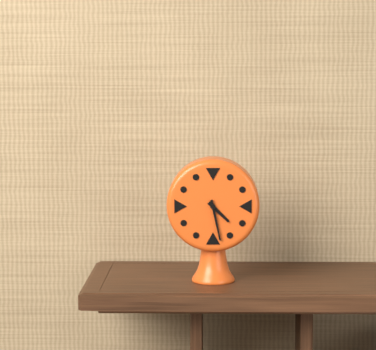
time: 4:28
